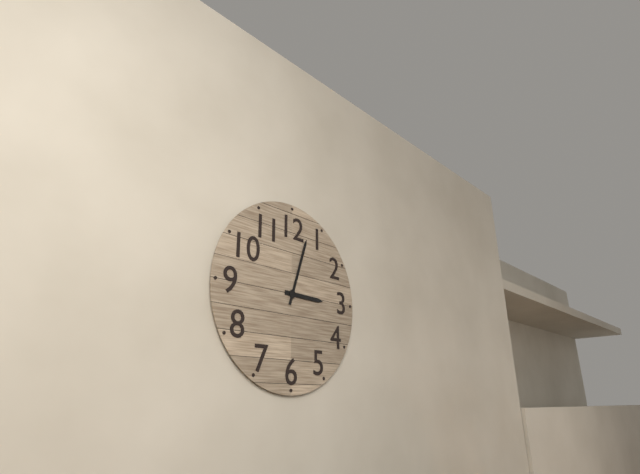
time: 3:03
